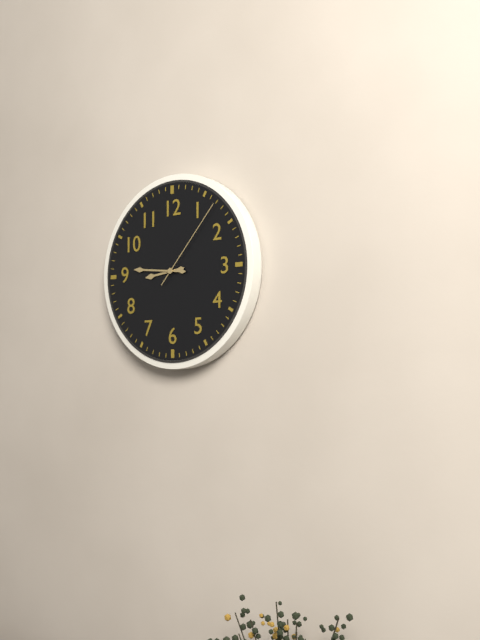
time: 8:46:07
